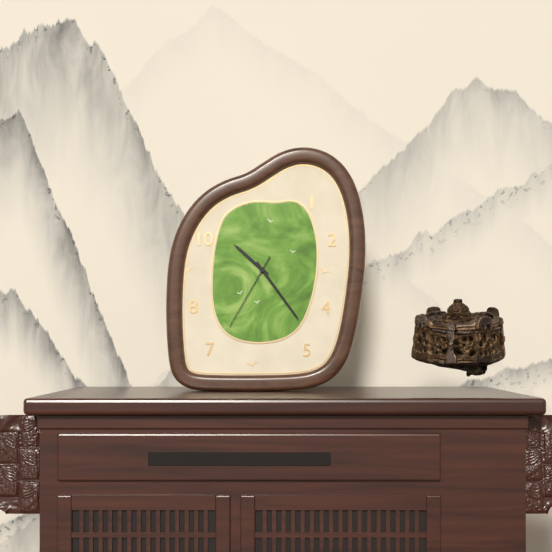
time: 10:24:35
